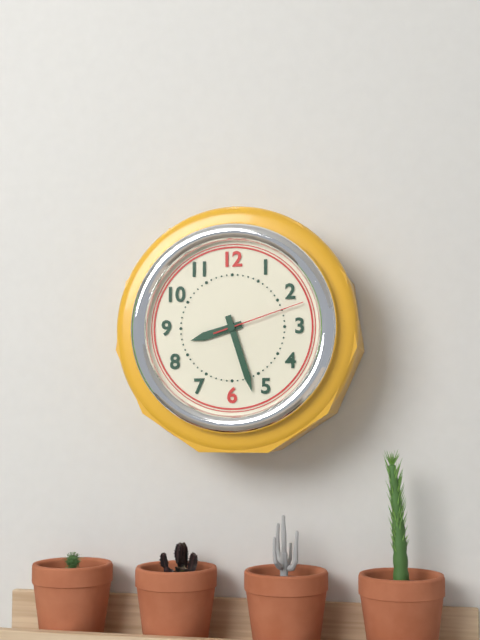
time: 8:27:12
